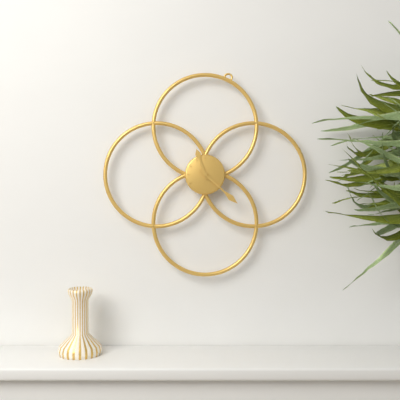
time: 11:22
